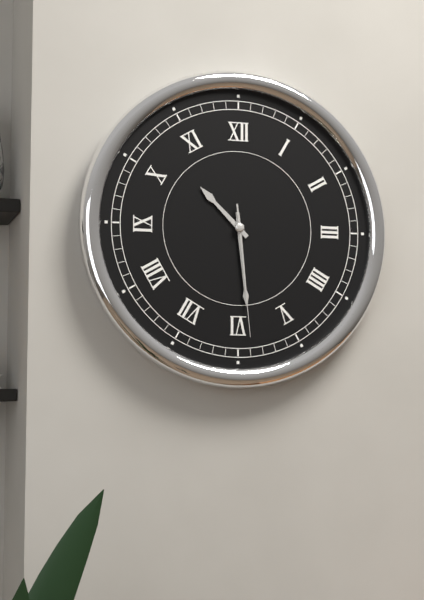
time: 10:29:29
